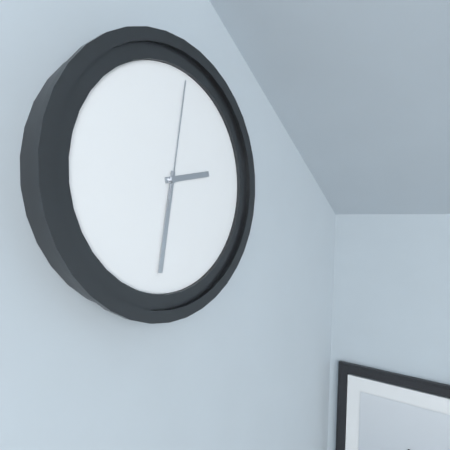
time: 2:31:01
